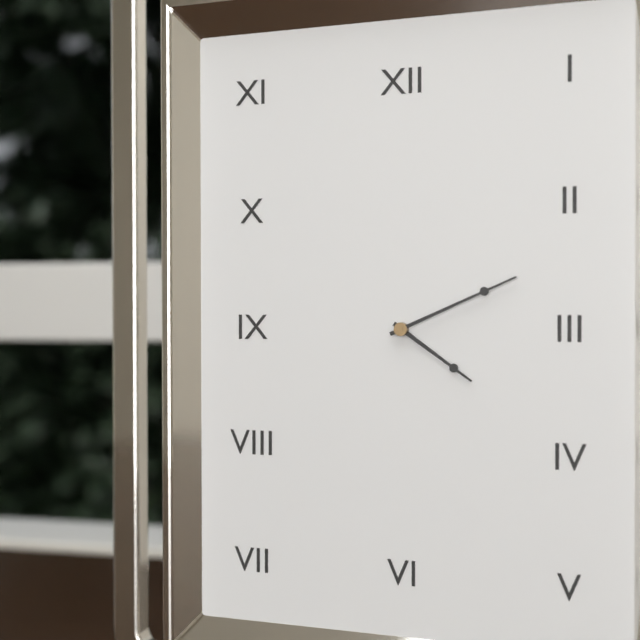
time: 4:11
